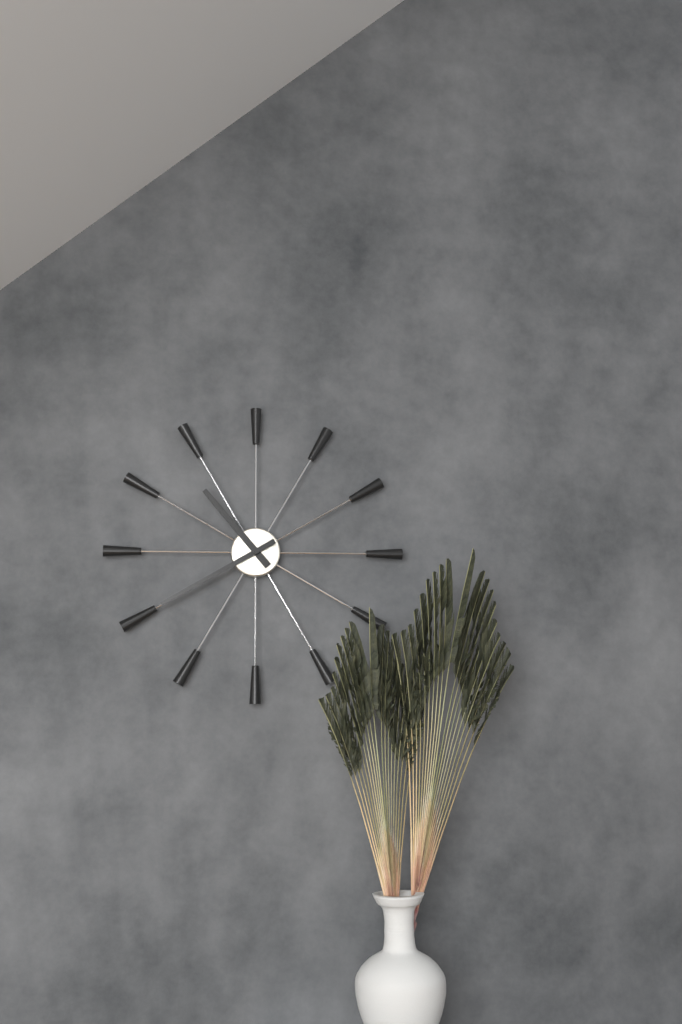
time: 10:40
